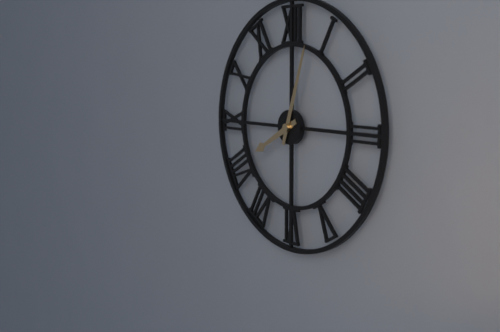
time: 8:03
